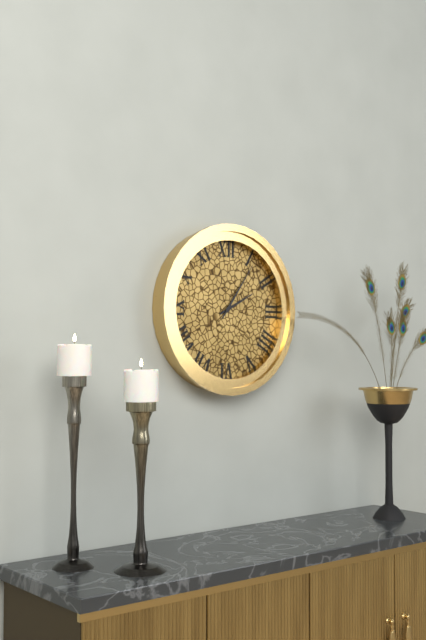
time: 2:06
